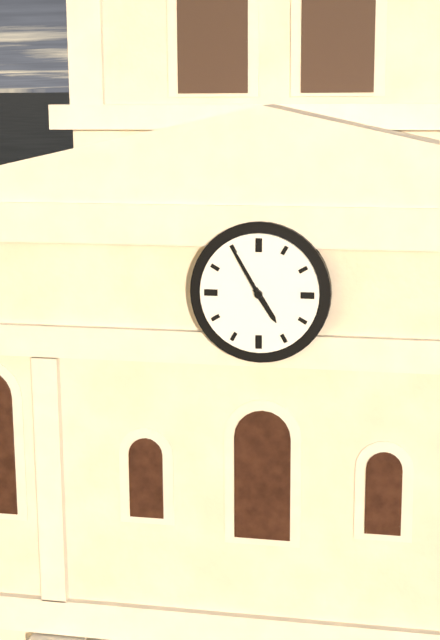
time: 4:55
